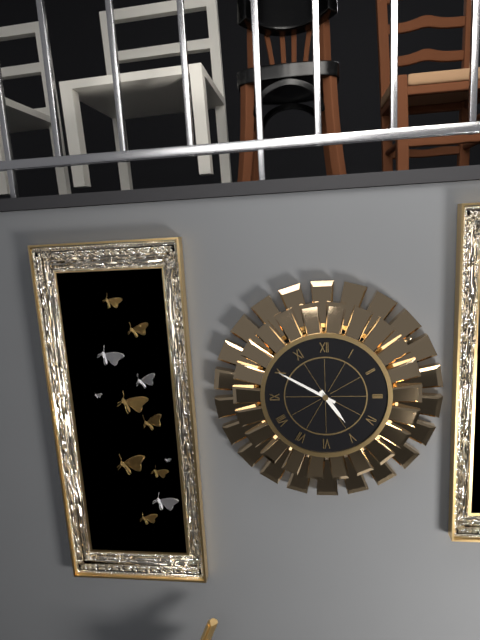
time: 4:50
